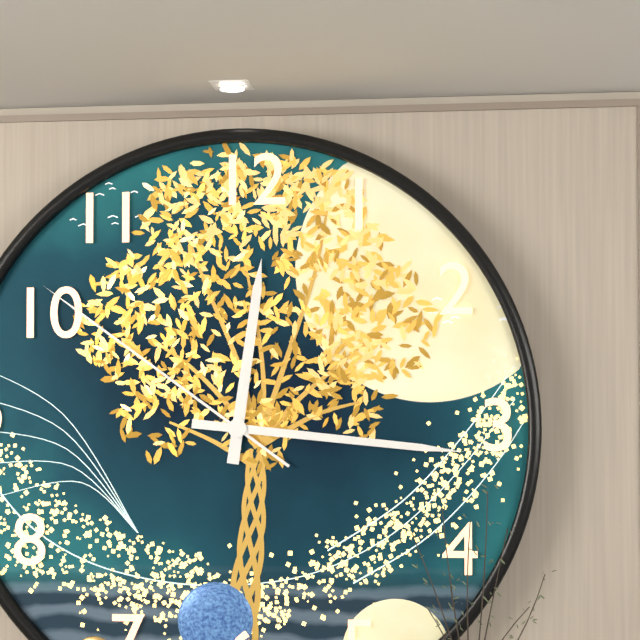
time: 12:16:51
